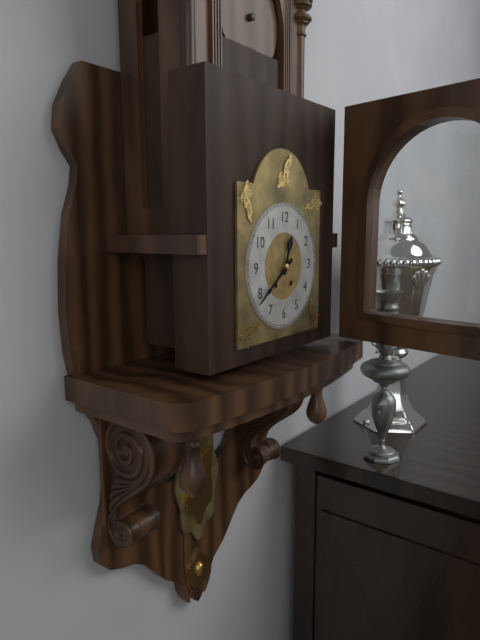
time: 12:39
